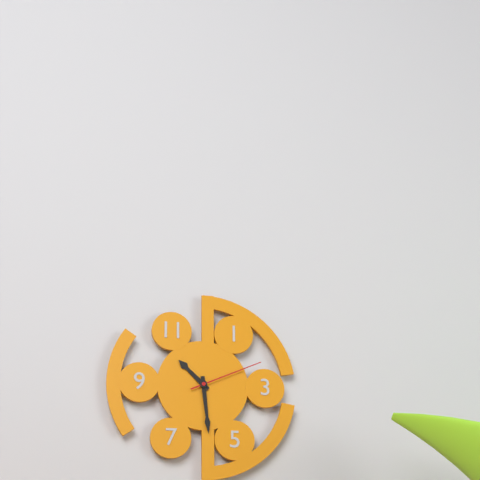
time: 10:29:11
